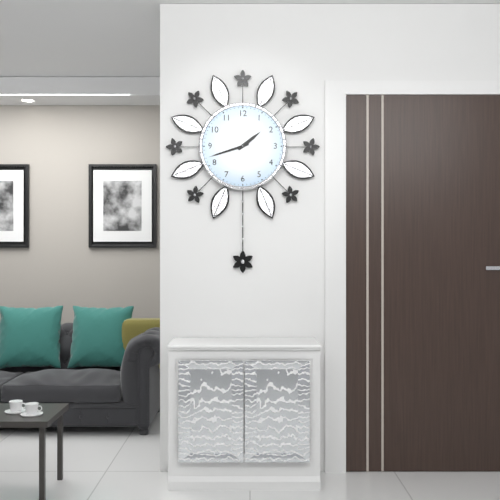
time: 1:42
